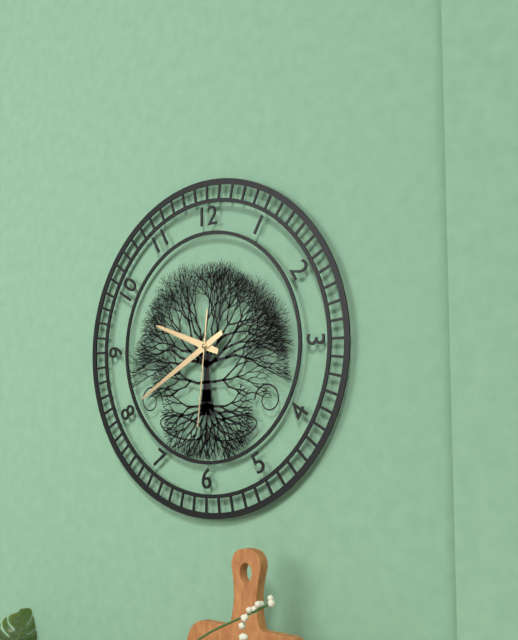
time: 9:40:31
